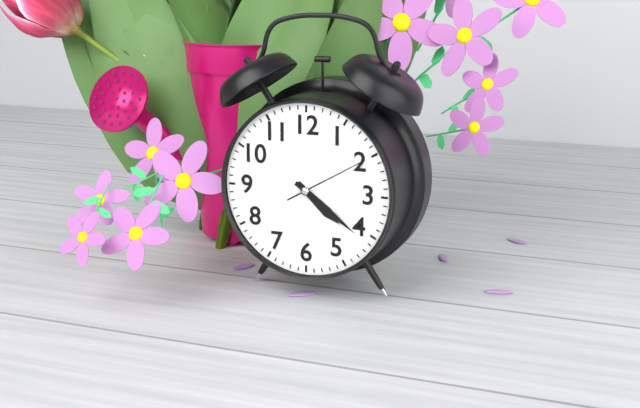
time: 4:21:10
